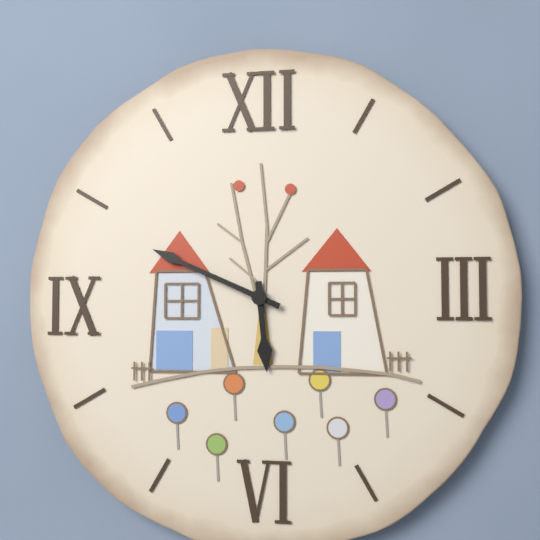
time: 5:49
